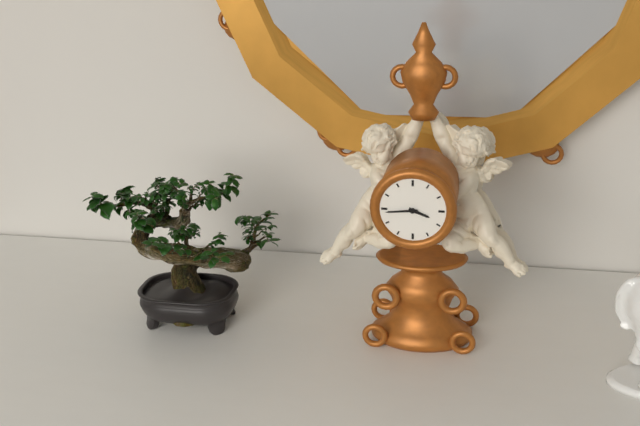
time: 3:44
